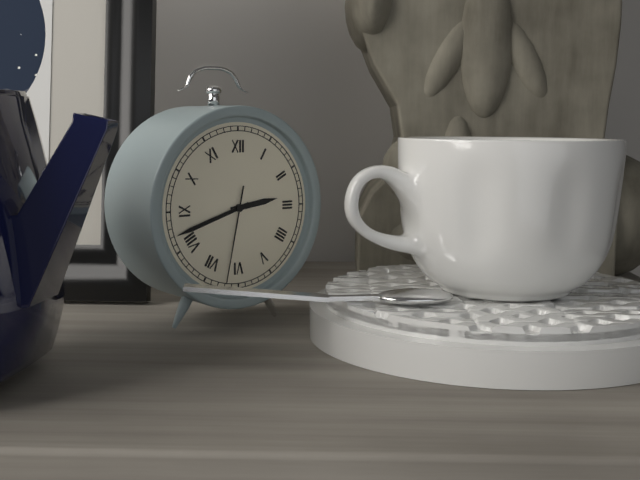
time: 2:42:32
